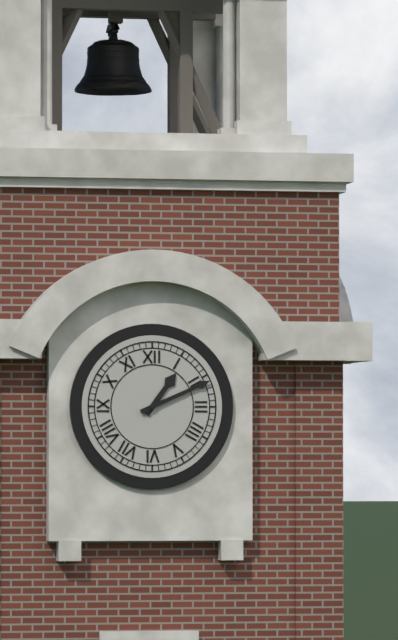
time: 1:11
